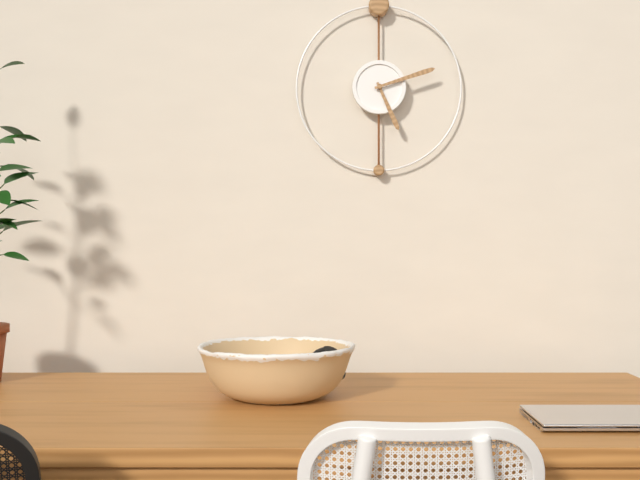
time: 5:12
